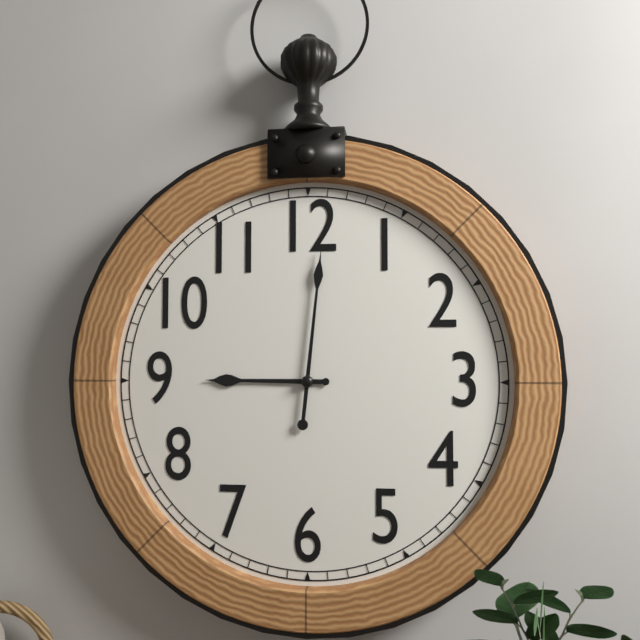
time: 9:01
